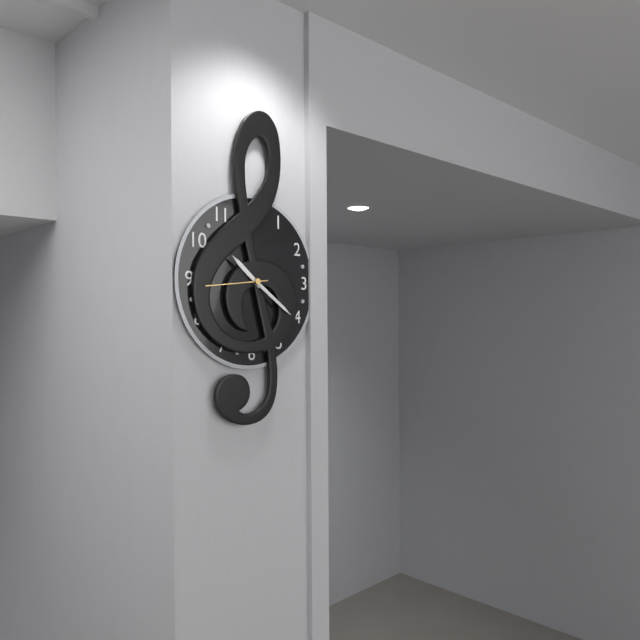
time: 10:21:44
